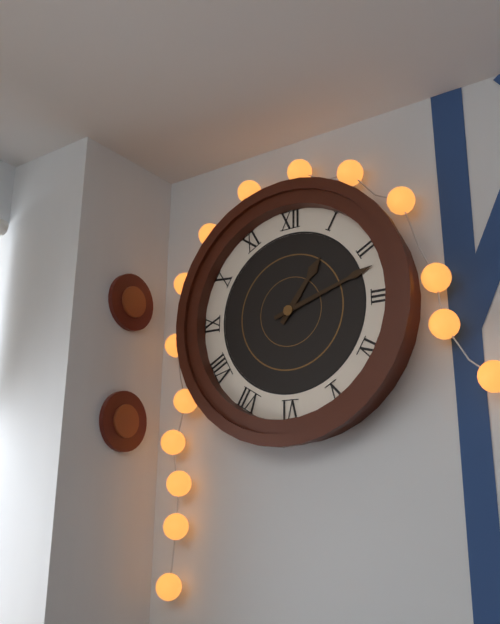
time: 1:12
